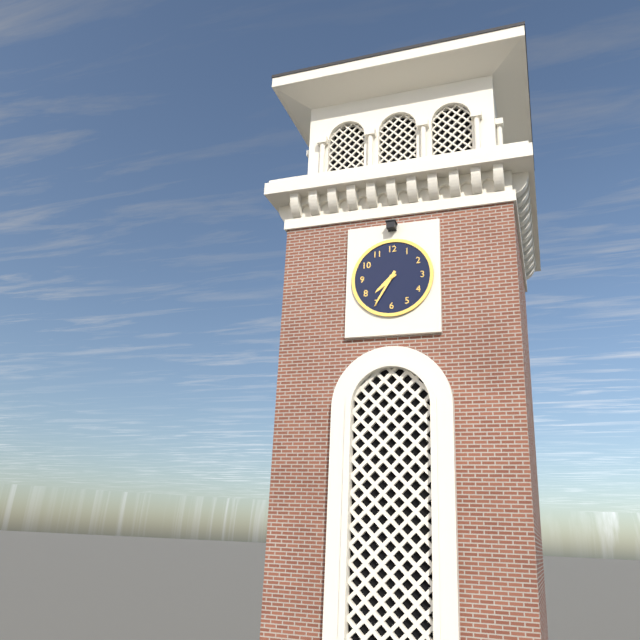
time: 7:35
